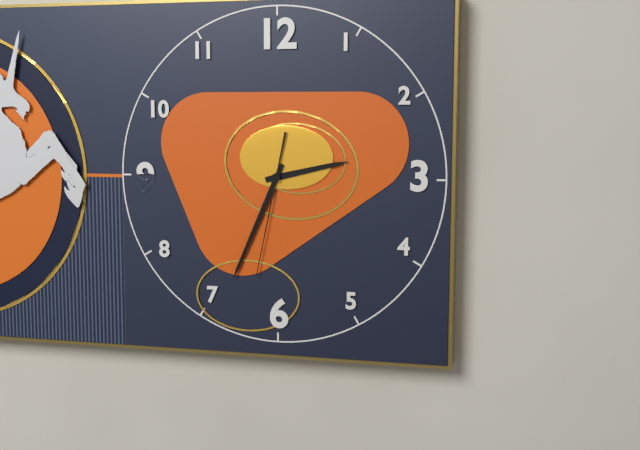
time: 2:34:32
